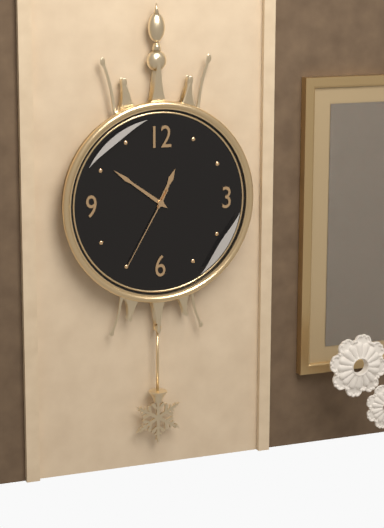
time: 12:51:35
